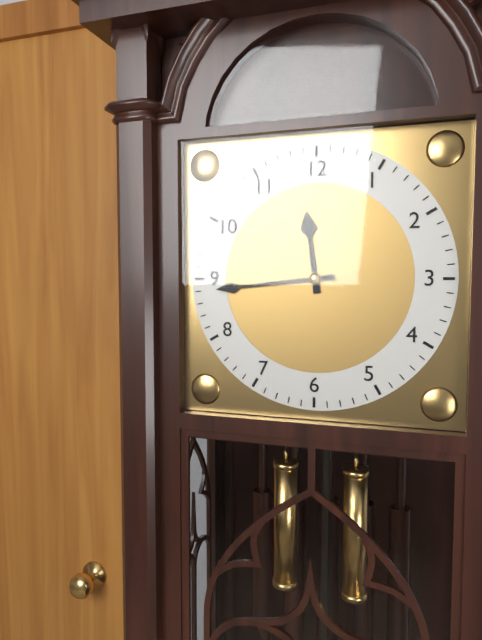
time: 11:44
